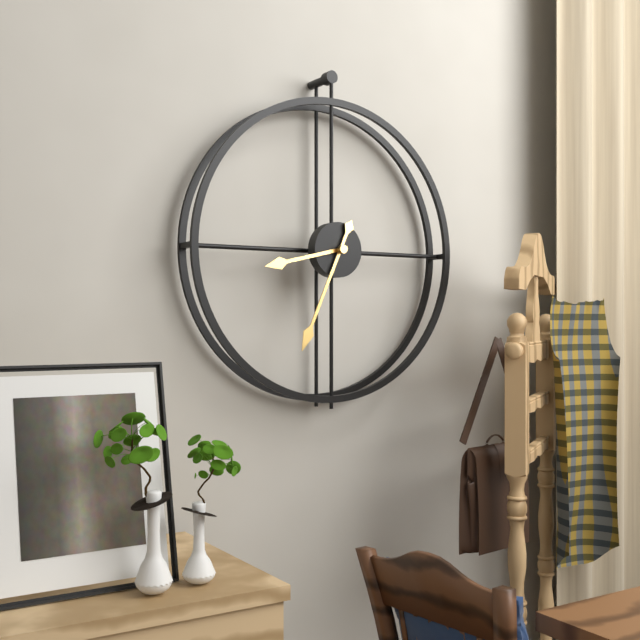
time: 8:34
